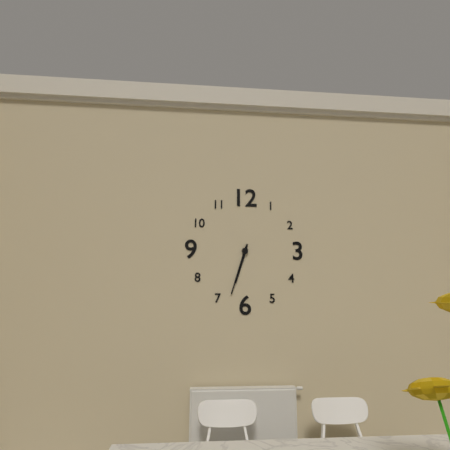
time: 6:33
